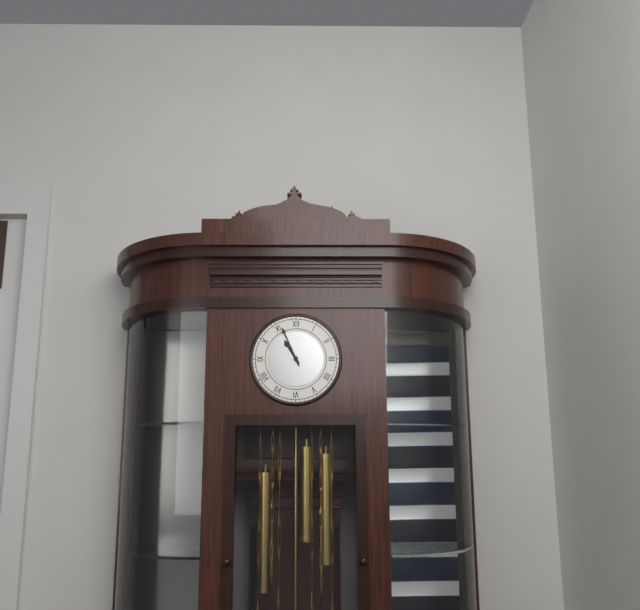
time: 10:56
